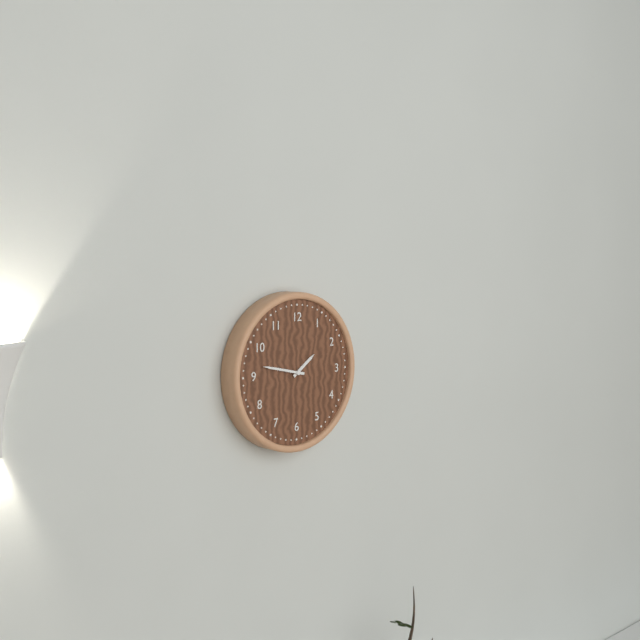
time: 1:47
